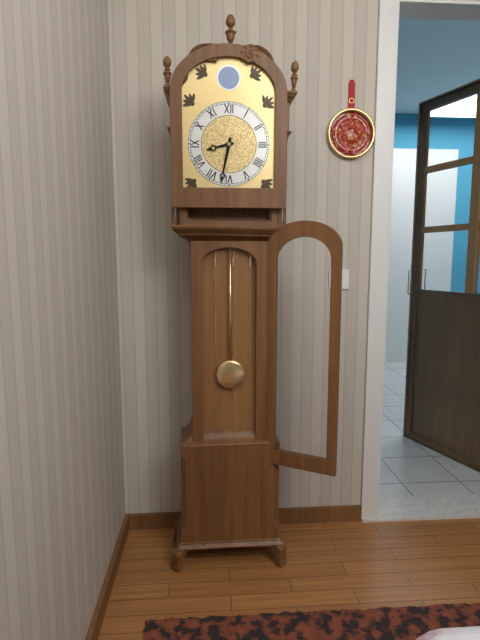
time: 8:32
